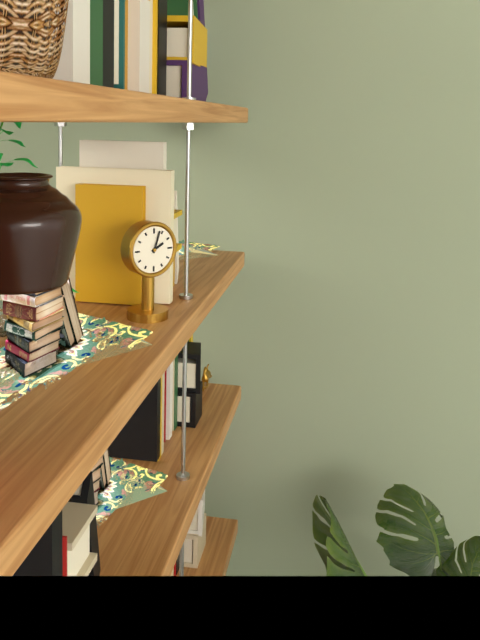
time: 2:03
